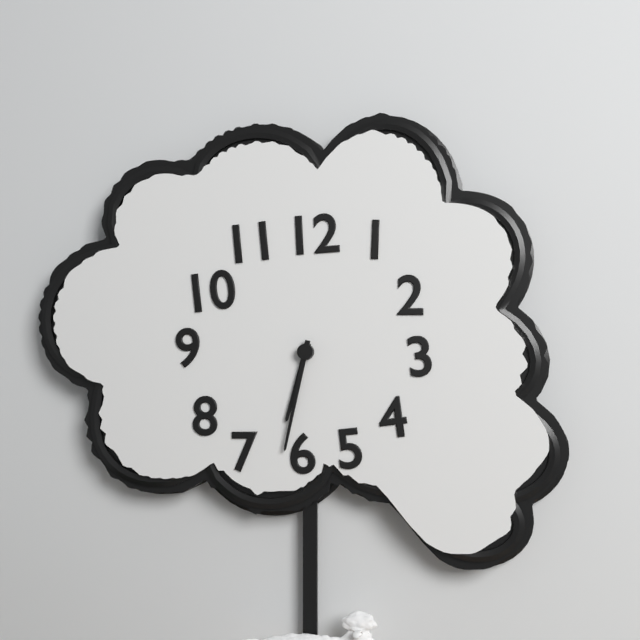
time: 6:32
